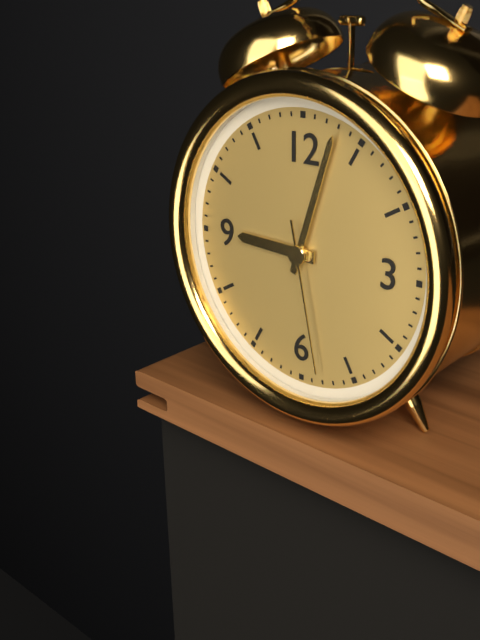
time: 9:03:28
